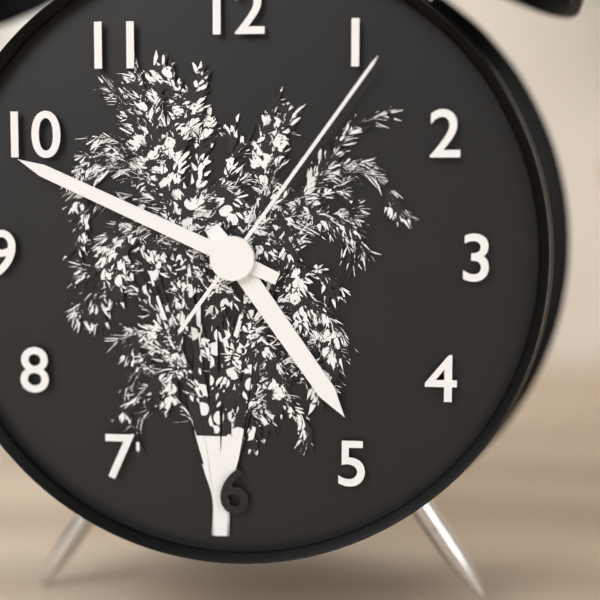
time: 4:49:06
